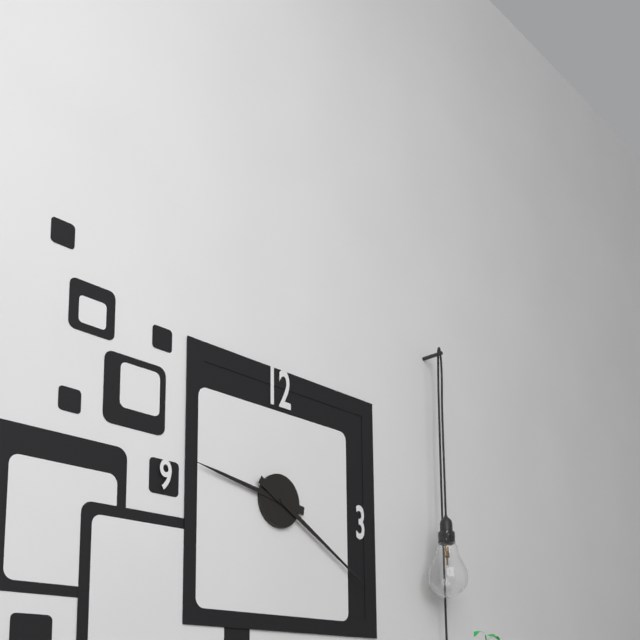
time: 9:20
